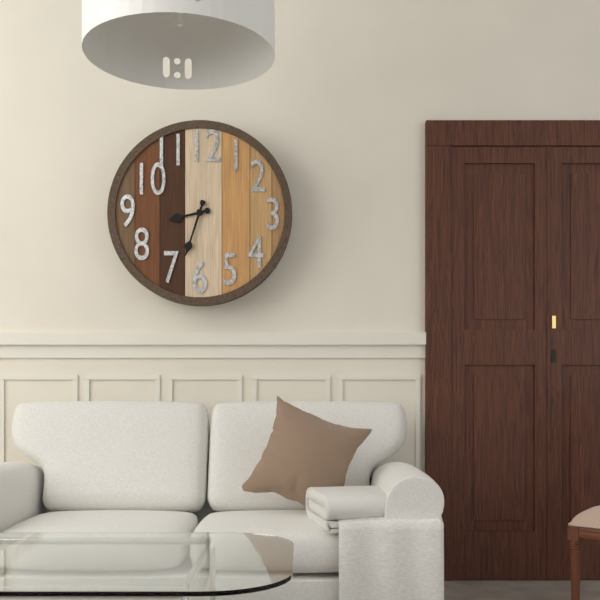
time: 8:33
